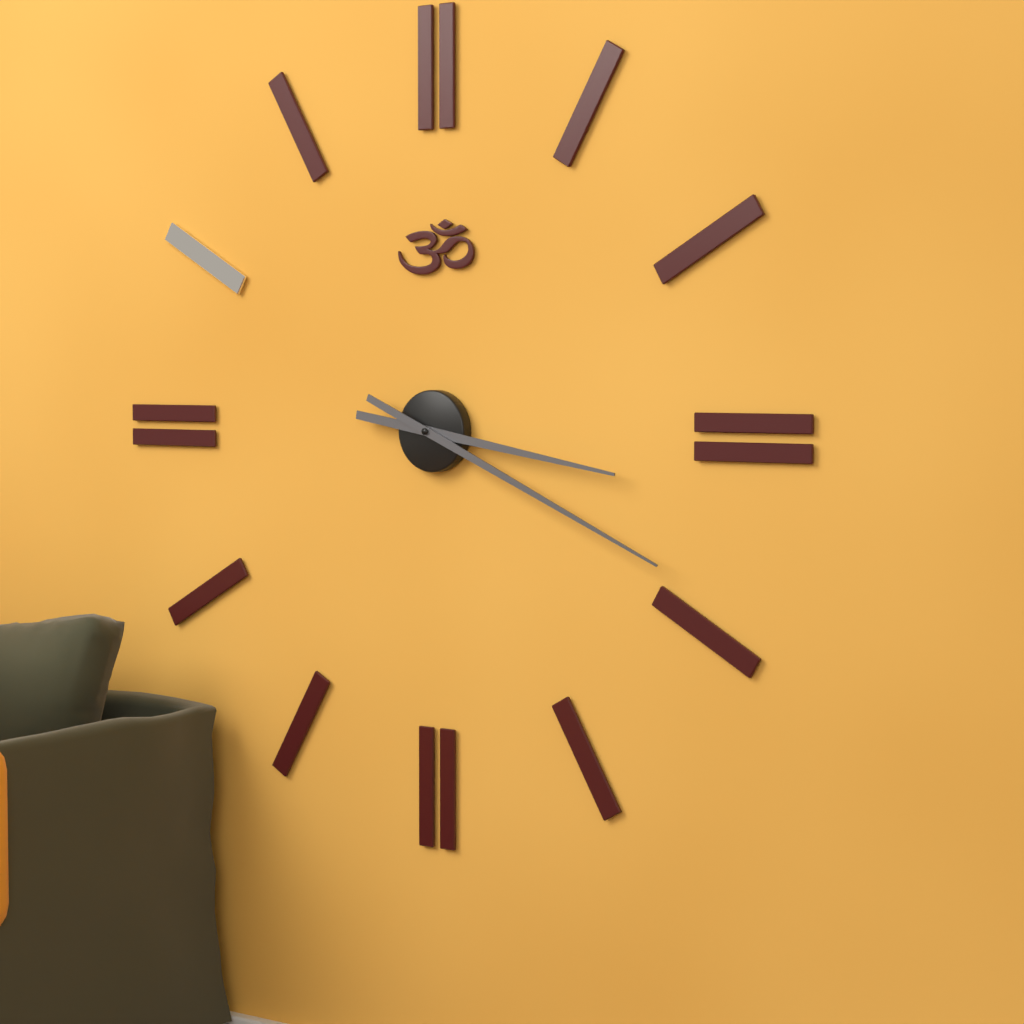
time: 3:19
